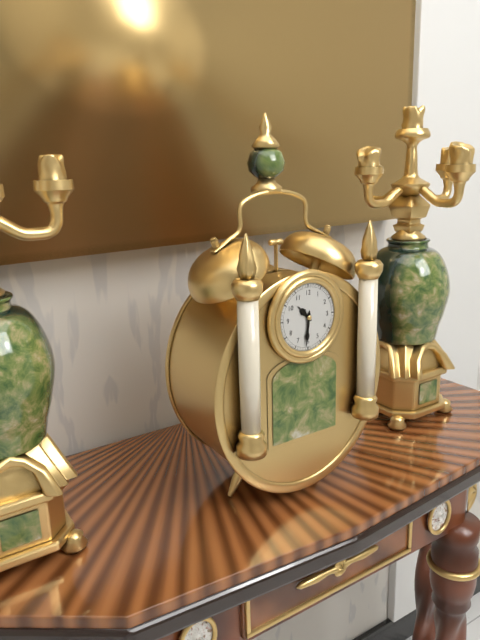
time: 10:31
